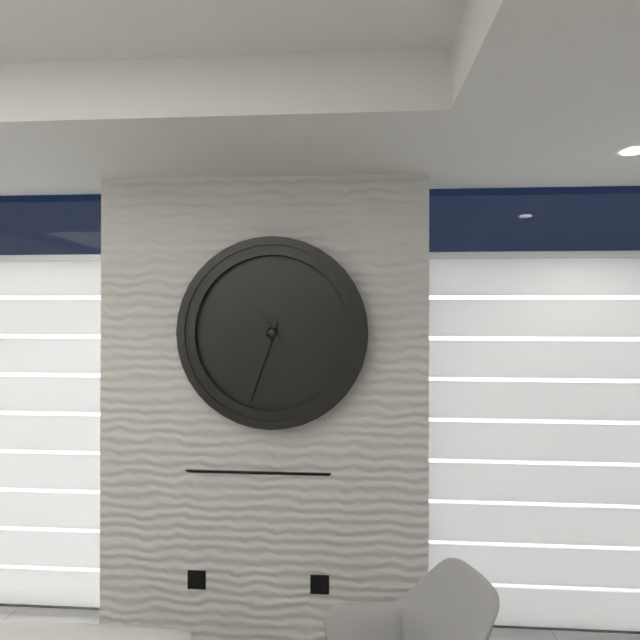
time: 10:33
